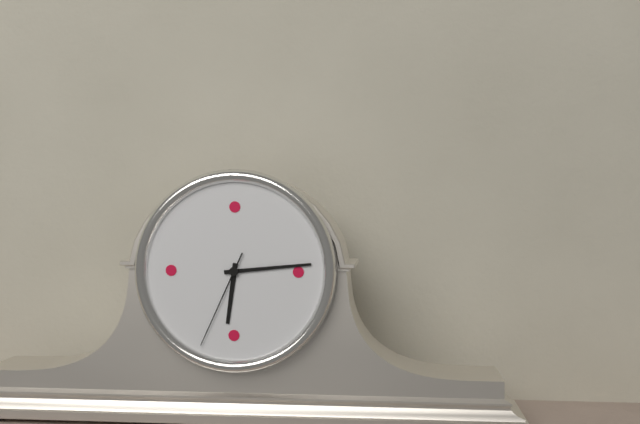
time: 6:14:34
